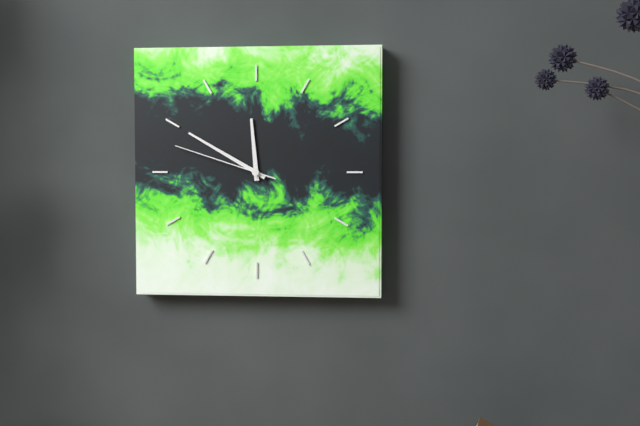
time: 11:50:48
